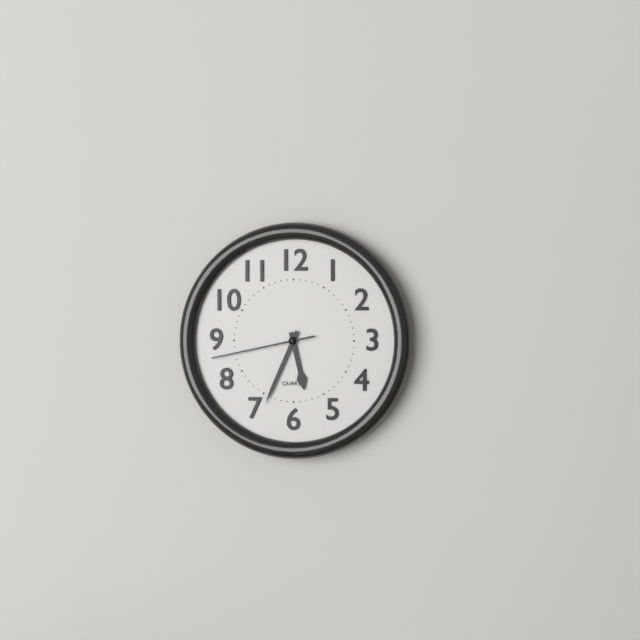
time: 5:34:43
